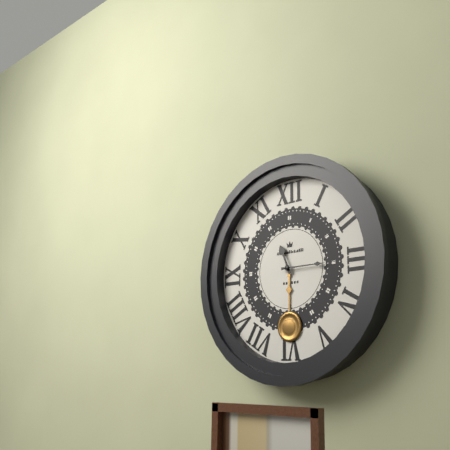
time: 11:15
